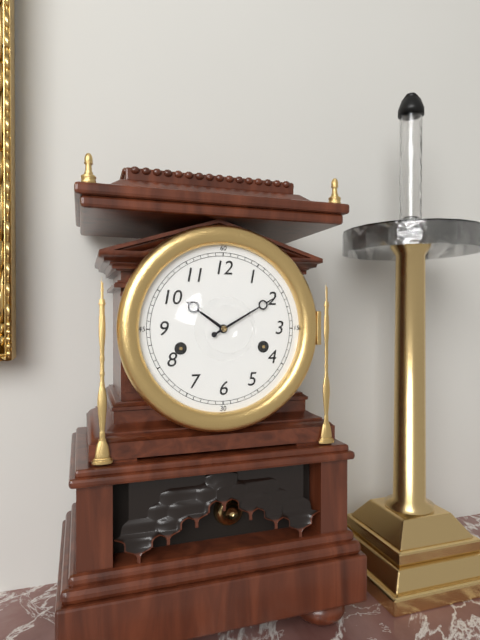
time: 10:10
